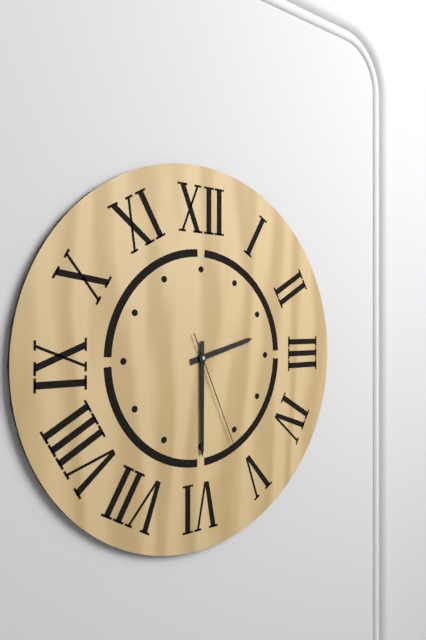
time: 2:30:26
